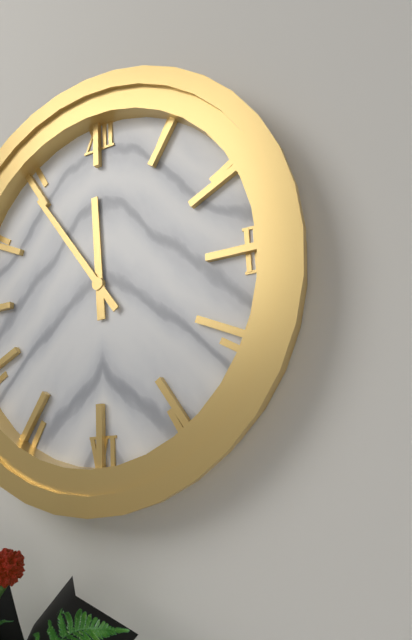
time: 11:54
